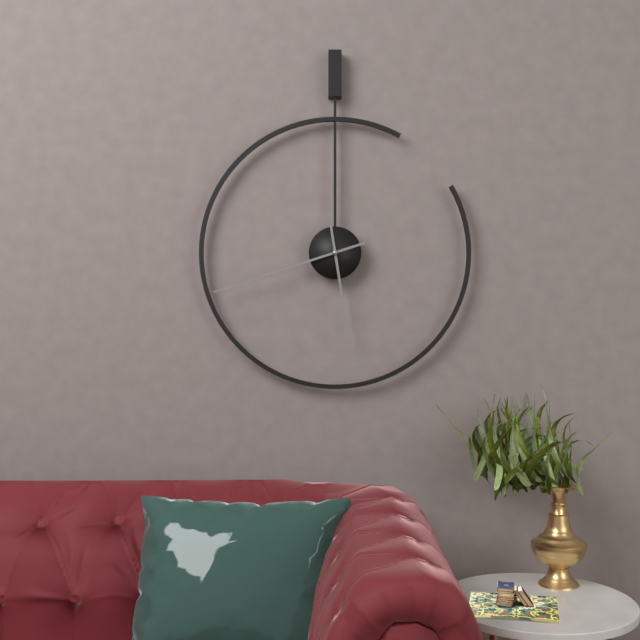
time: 5:42
